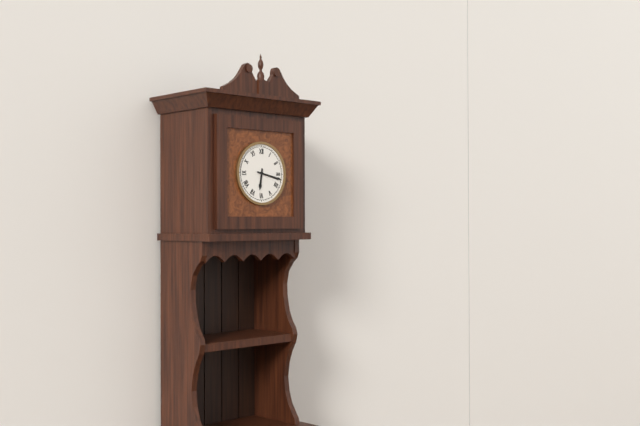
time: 6:17
